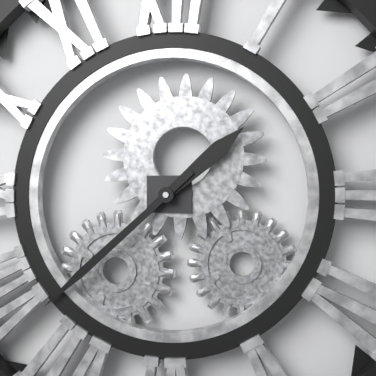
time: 1:38
